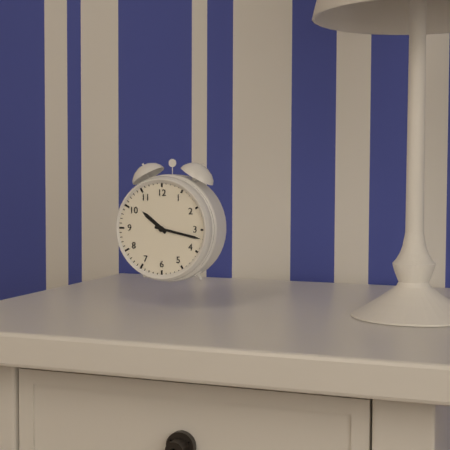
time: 10:17
